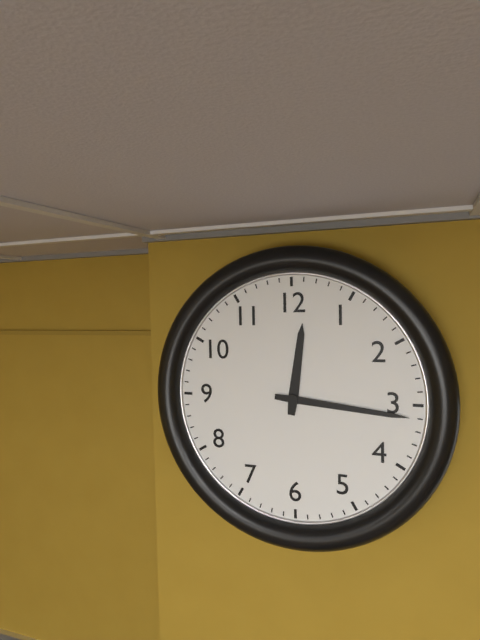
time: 12:16
